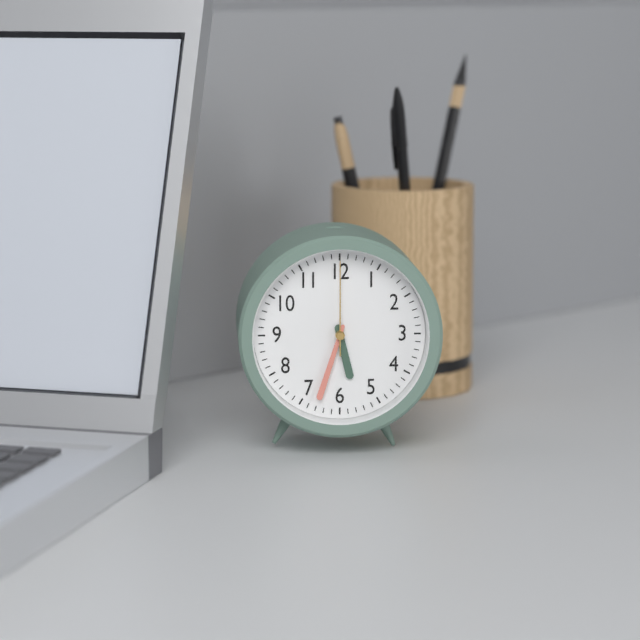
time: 5:33:00
